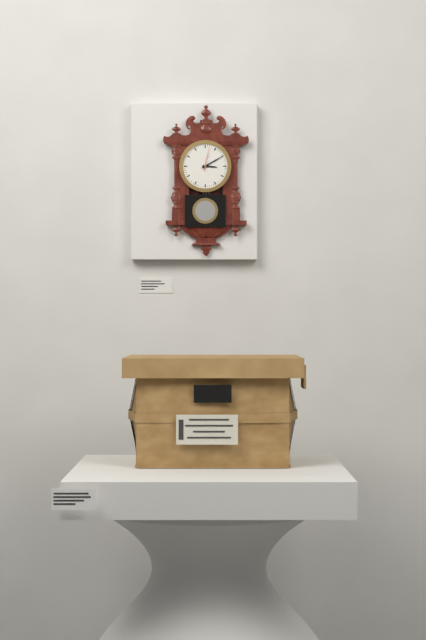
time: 3:10
